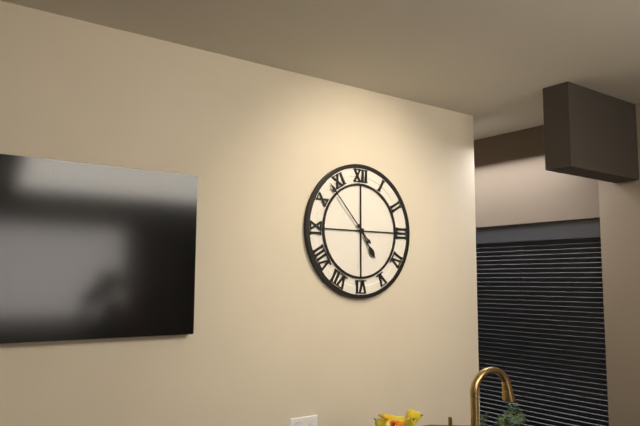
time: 4:53
